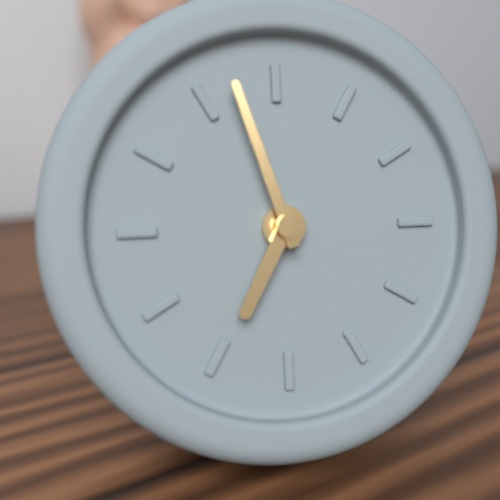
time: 6:57
